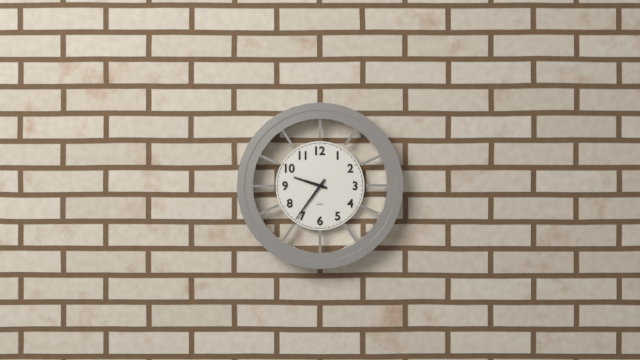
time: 9:36
